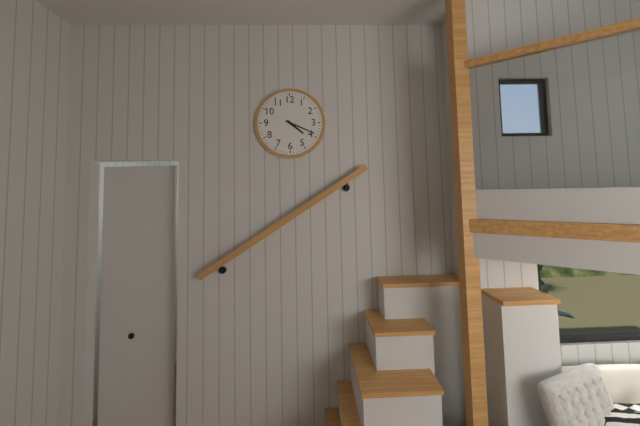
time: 4:19
